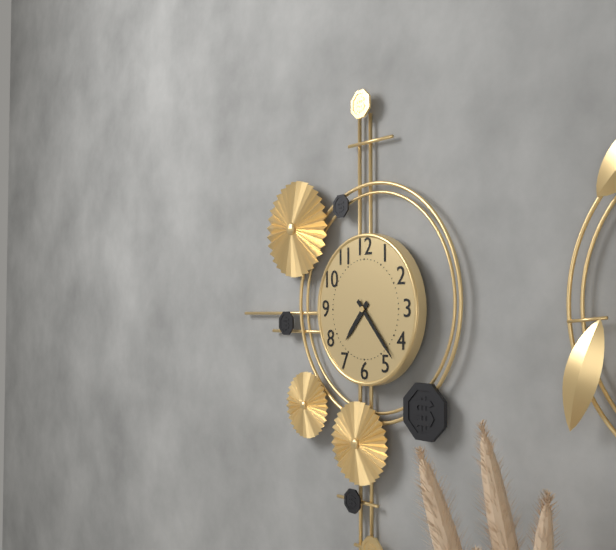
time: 7:23
